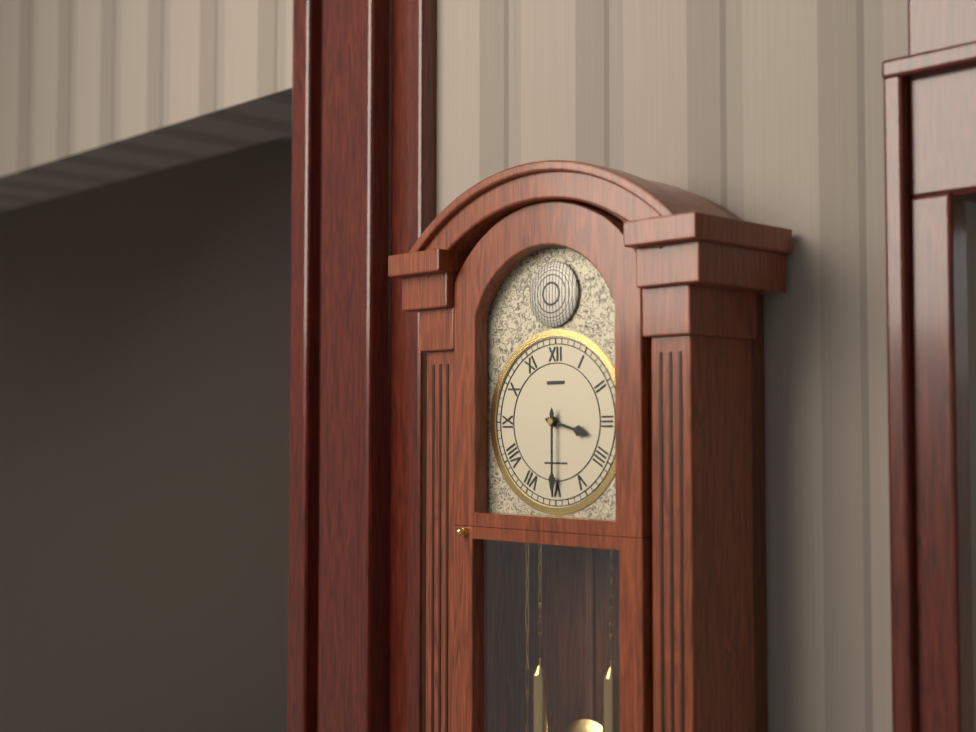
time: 3:30
